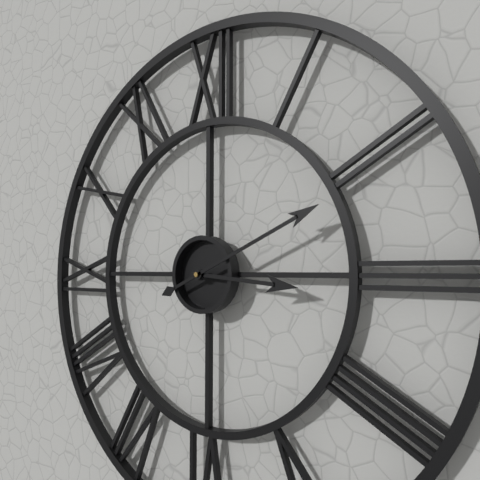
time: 3:11
